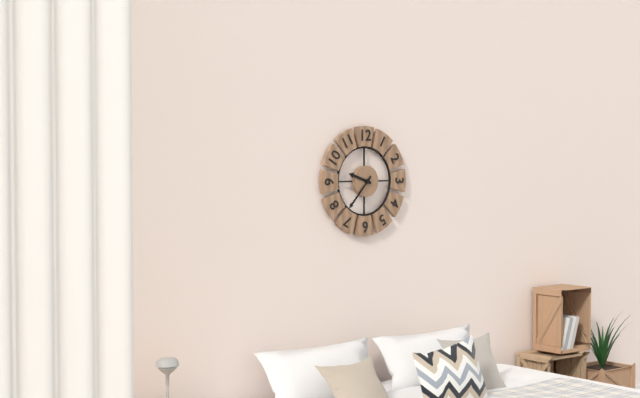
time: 9:37
